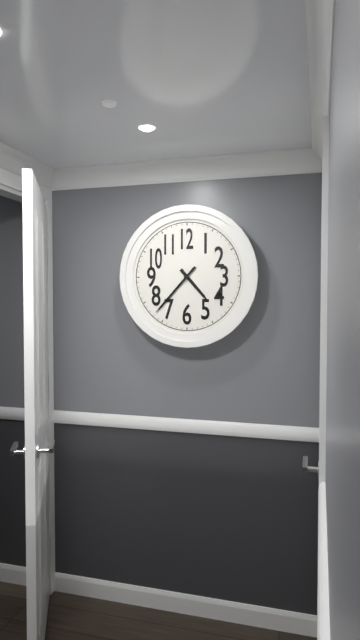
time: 4:37
